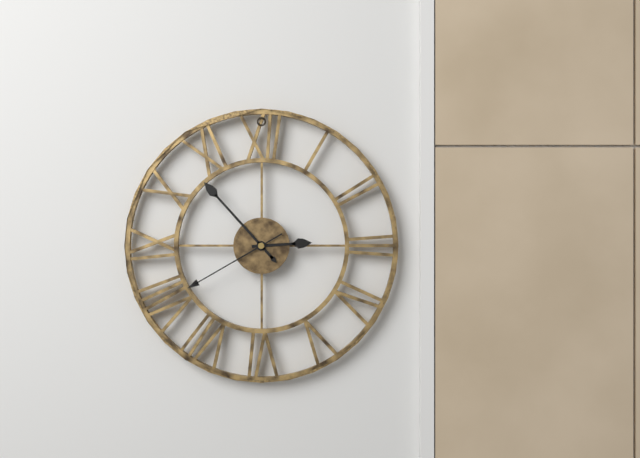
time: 2:53:40
